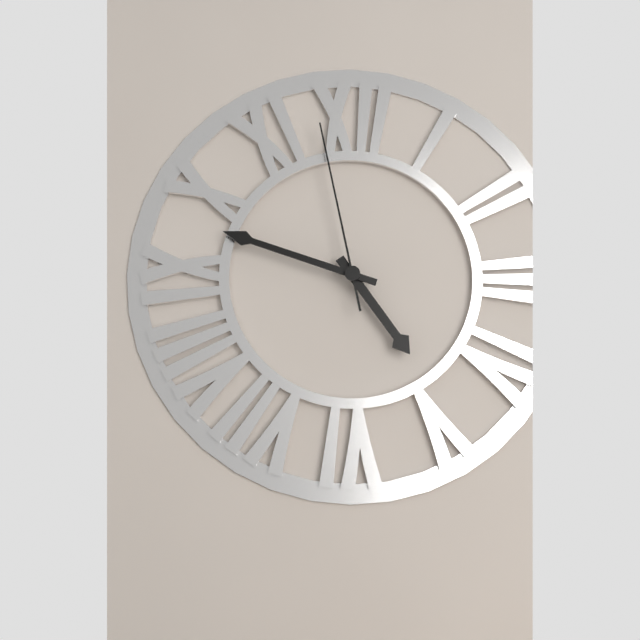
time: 4:48:58
